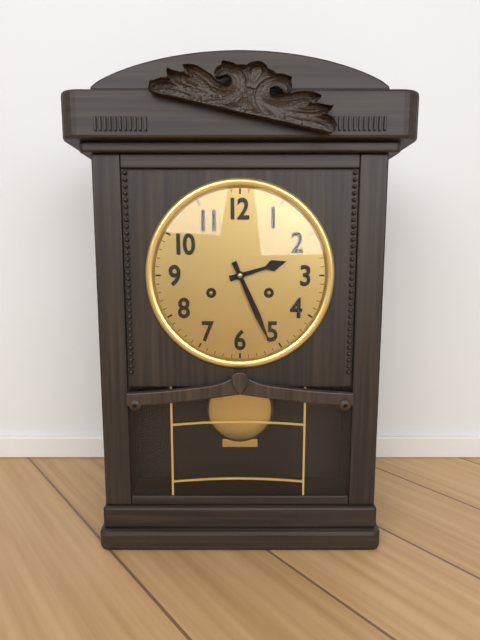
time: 2:26
